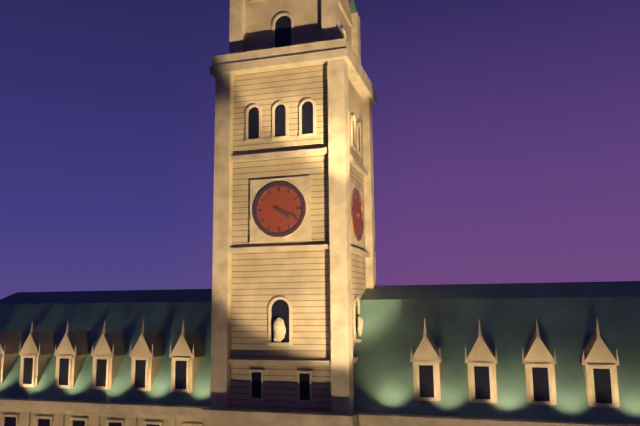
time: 4:19
